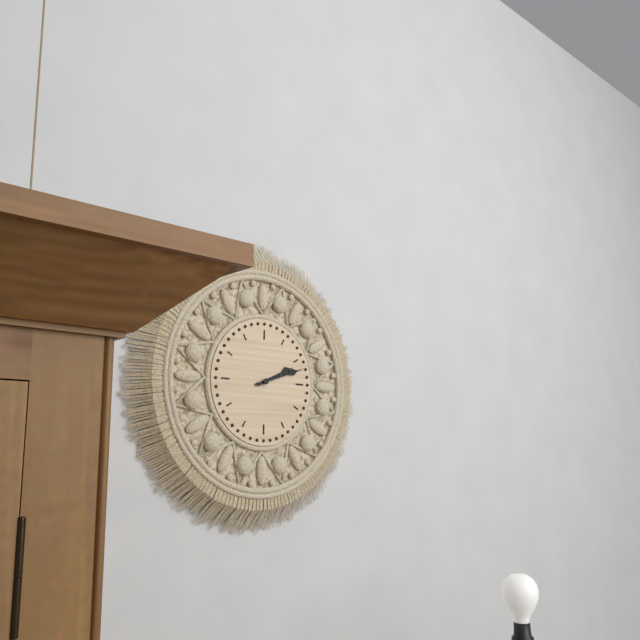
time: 2:12
